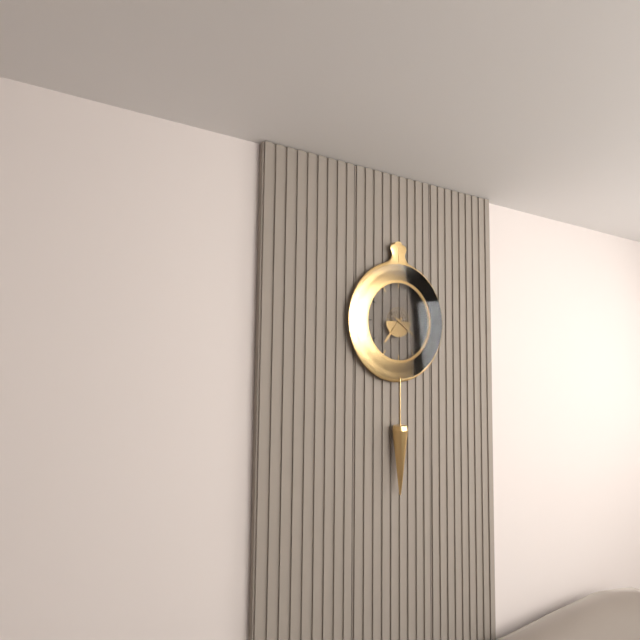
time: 7:21
